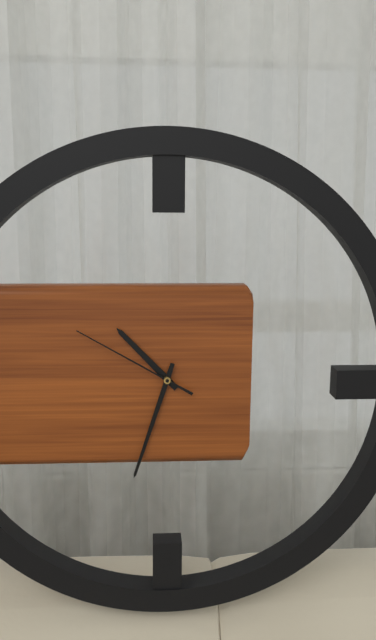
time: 10:33:50
